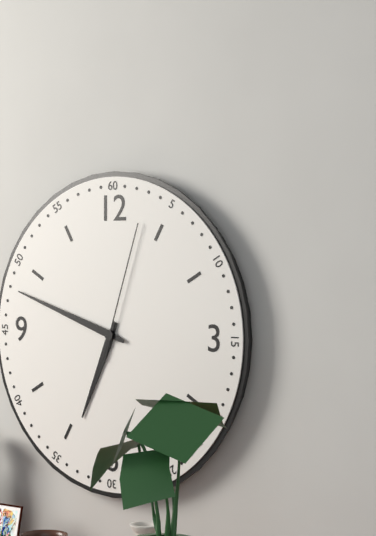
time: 6:48:03
